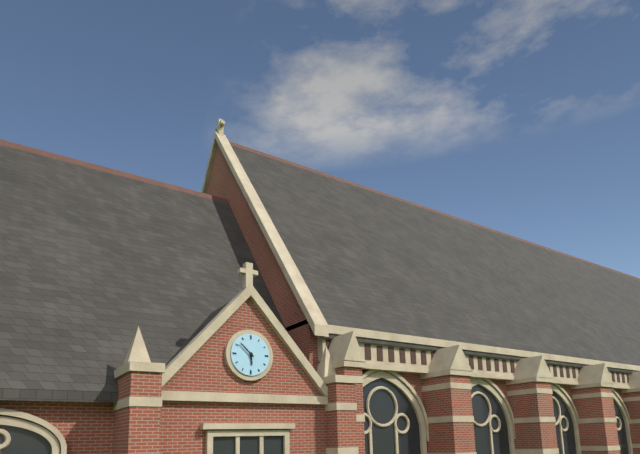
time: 5:52
